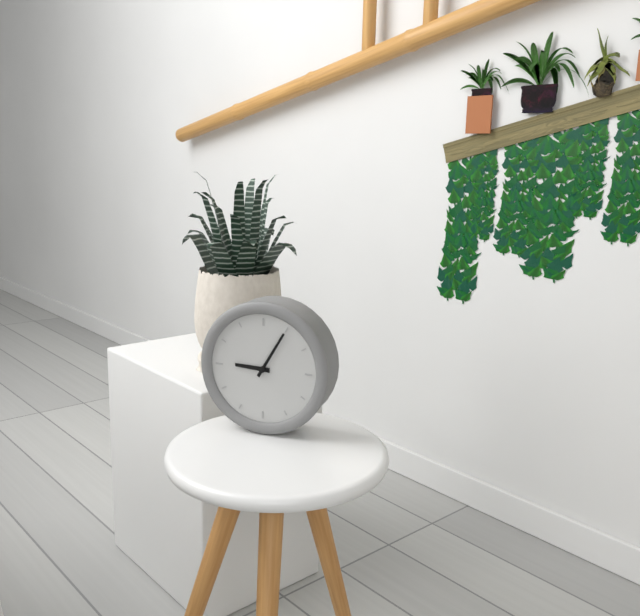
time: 9:05
